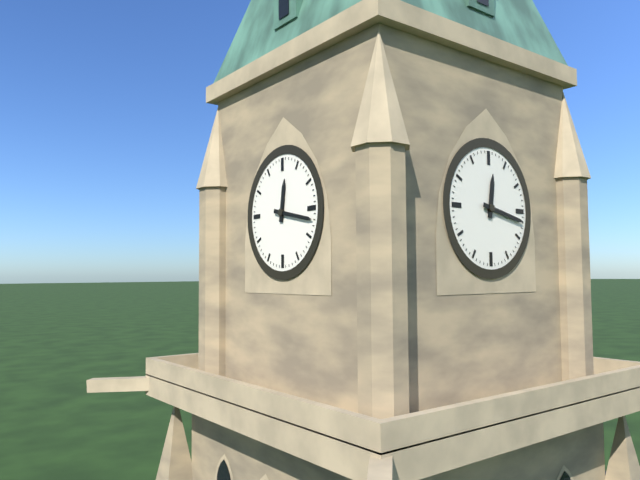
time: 12:17
